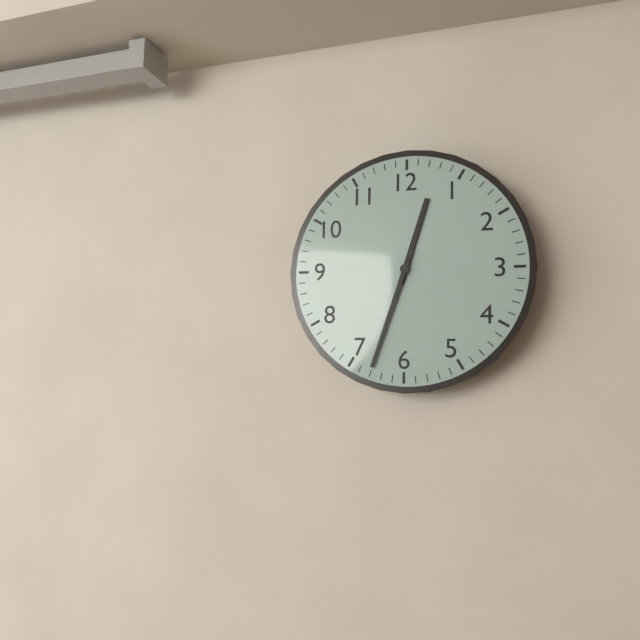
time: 12:33
